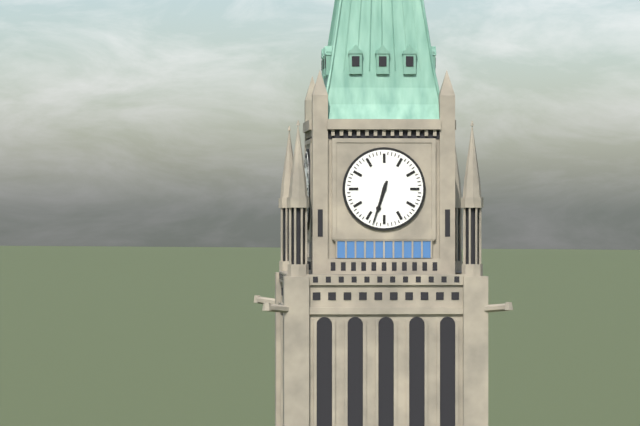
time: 6:33
